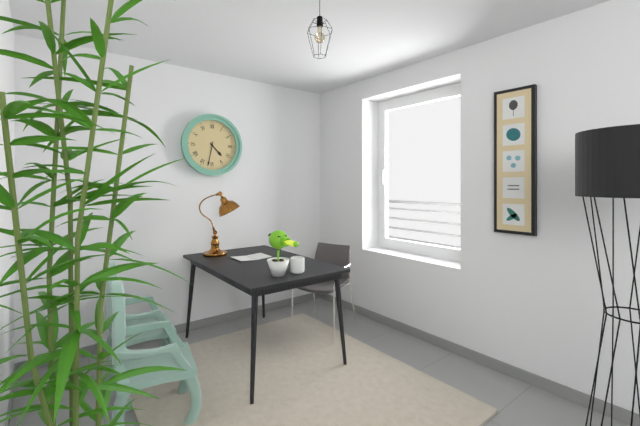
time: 4:32
